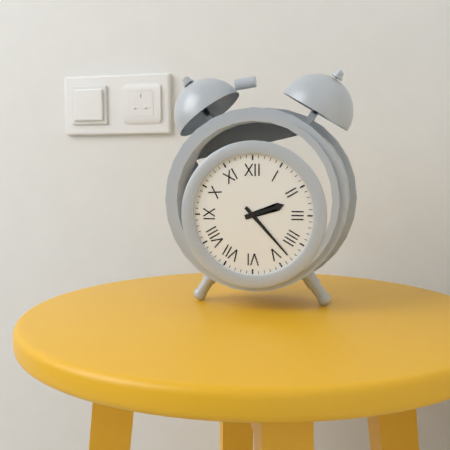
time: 2:23
